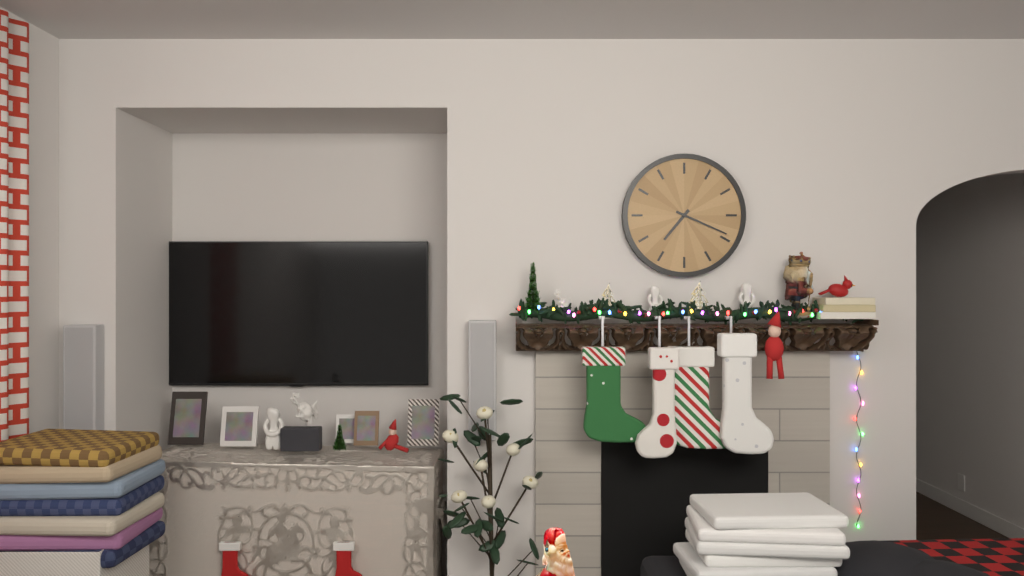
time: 7:19
